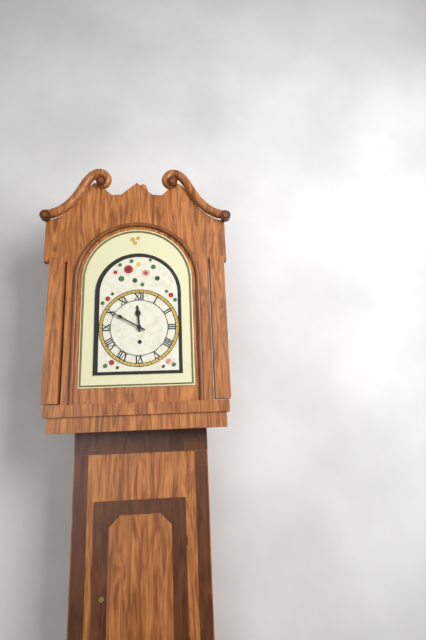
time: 11:50
